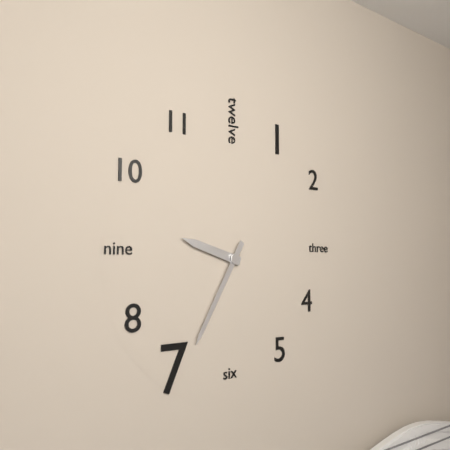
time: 9:35
